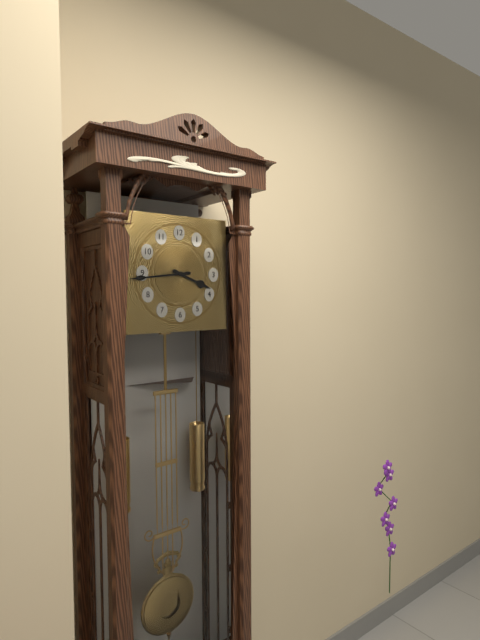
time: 3:44
